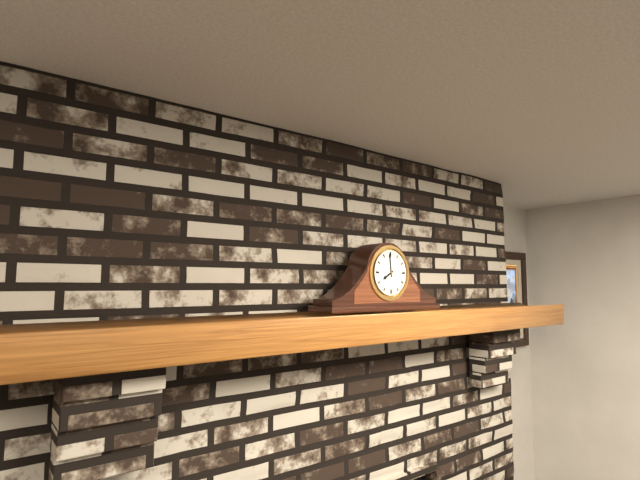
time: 7:59
